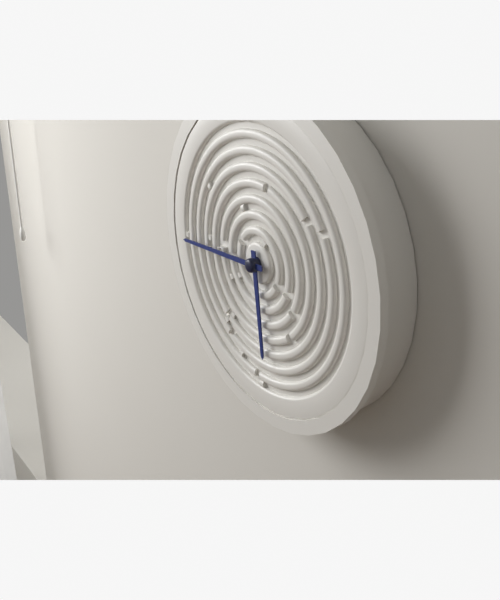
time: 5:44
